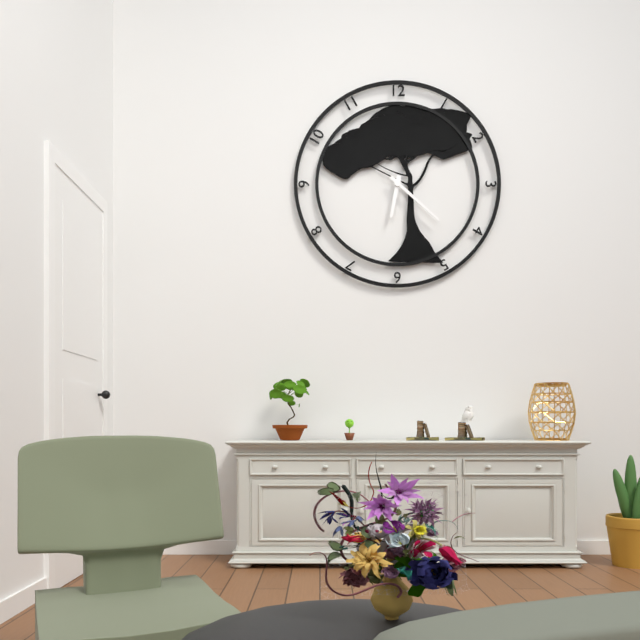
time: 6:22
